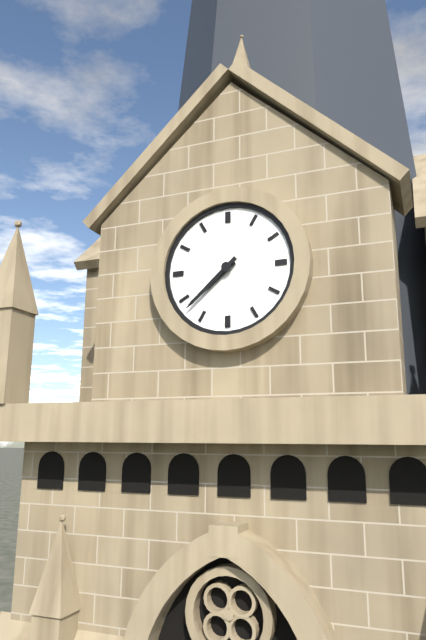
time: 7:38
